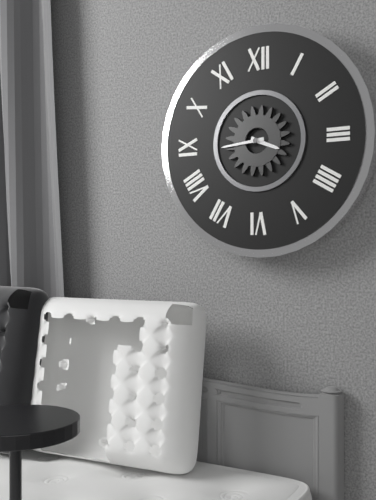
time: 3:44
